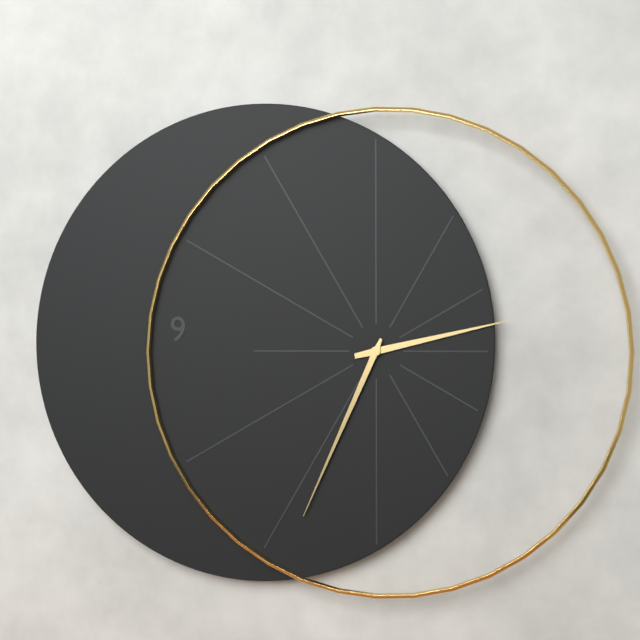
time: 2:34
